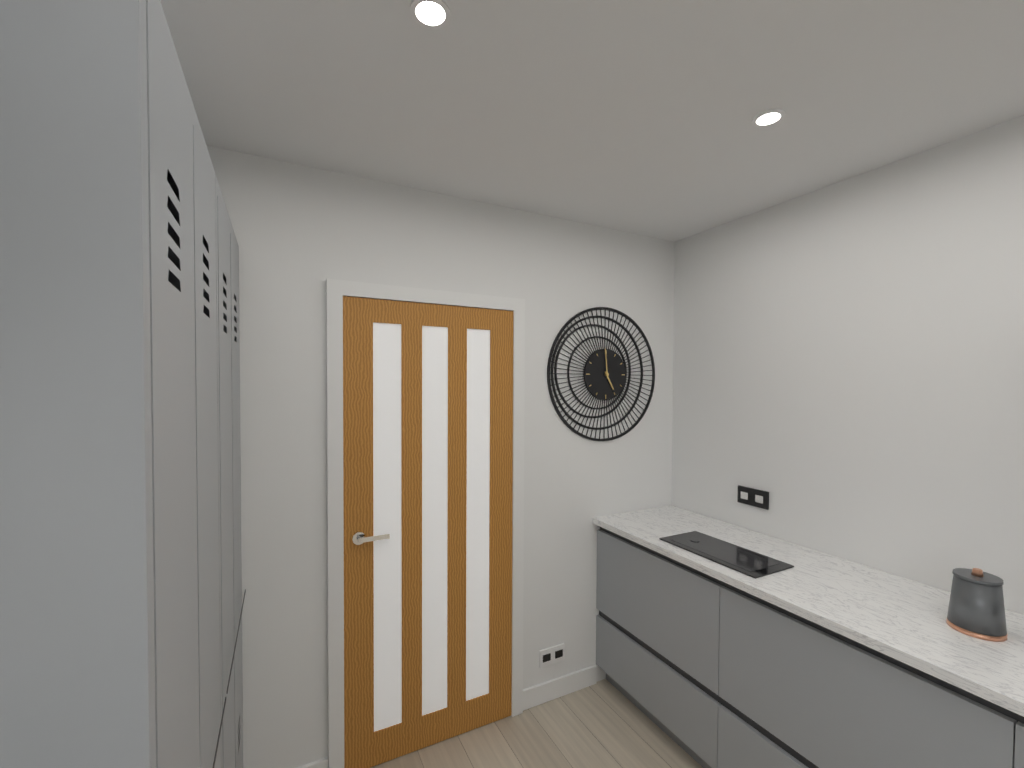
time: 4:59
